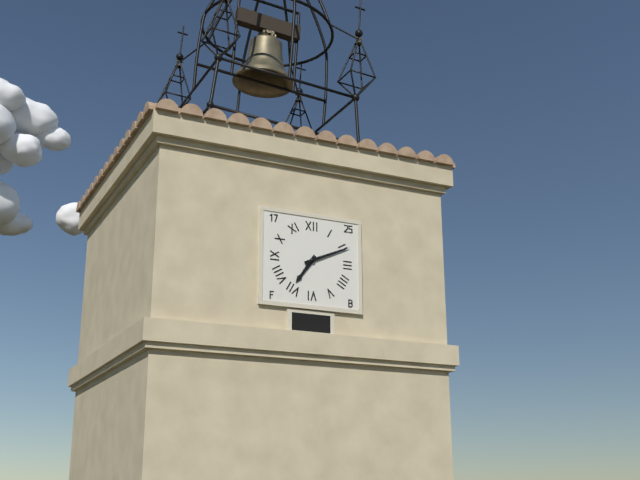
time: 7:11
